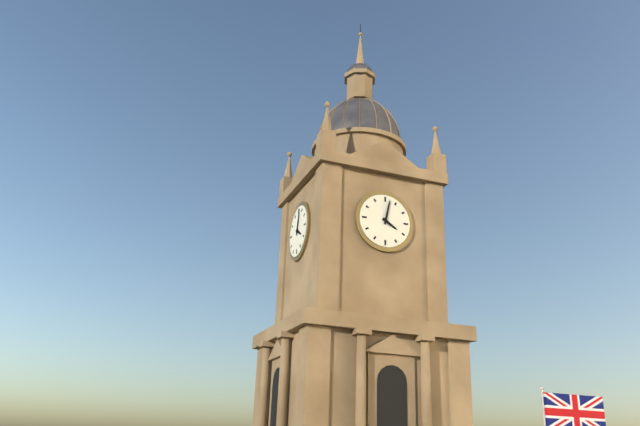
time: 4:02
